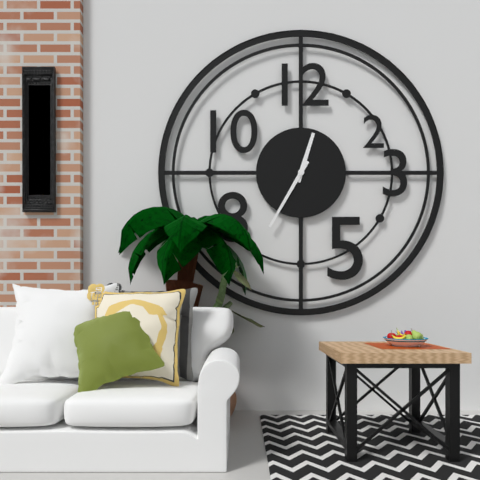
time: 12:35
